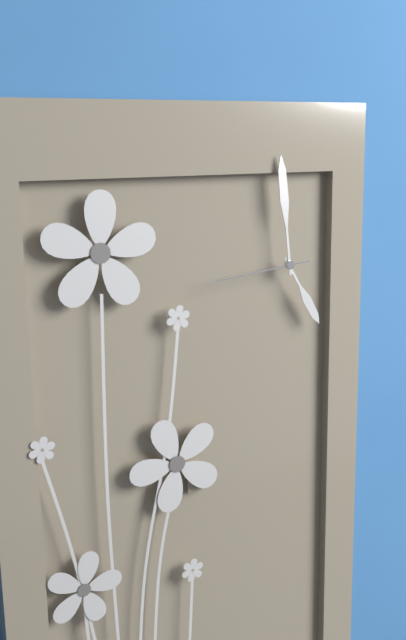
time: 4:59:44
